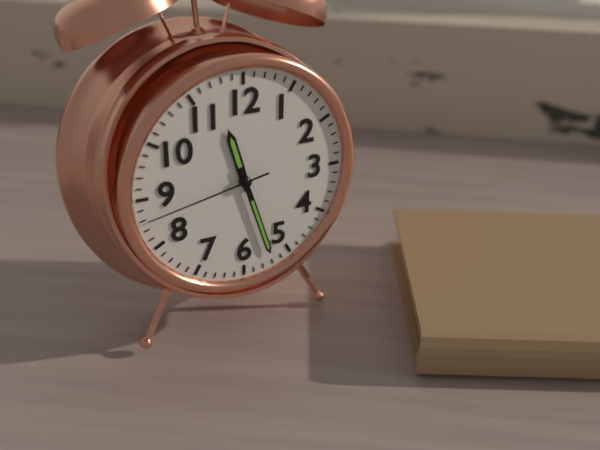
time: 11:27:43
